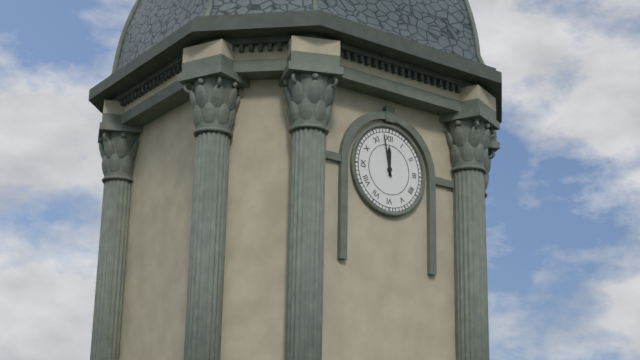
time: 11:58
